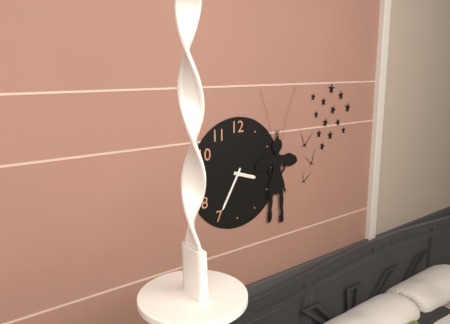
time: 3:35
